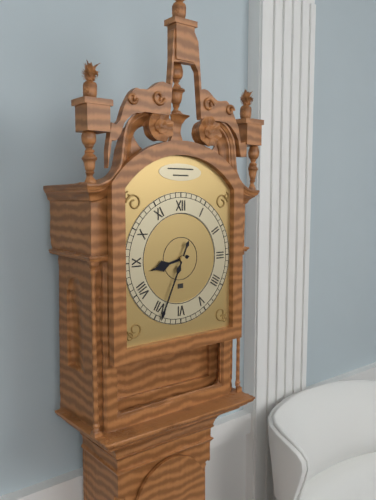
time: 8:34
